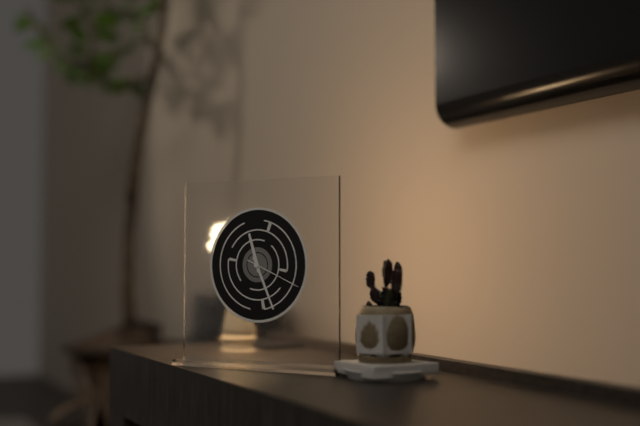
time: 11:26:19
